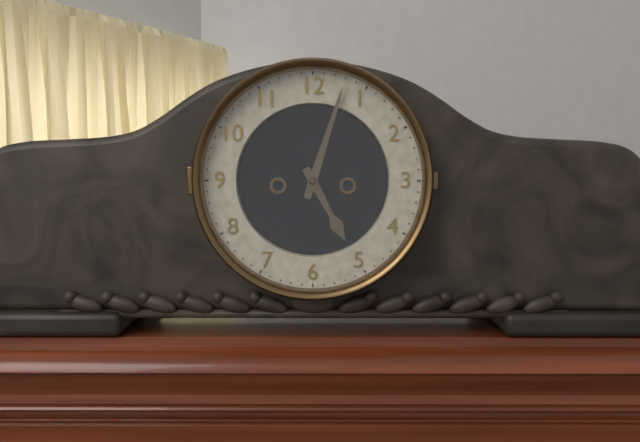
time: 5:03
